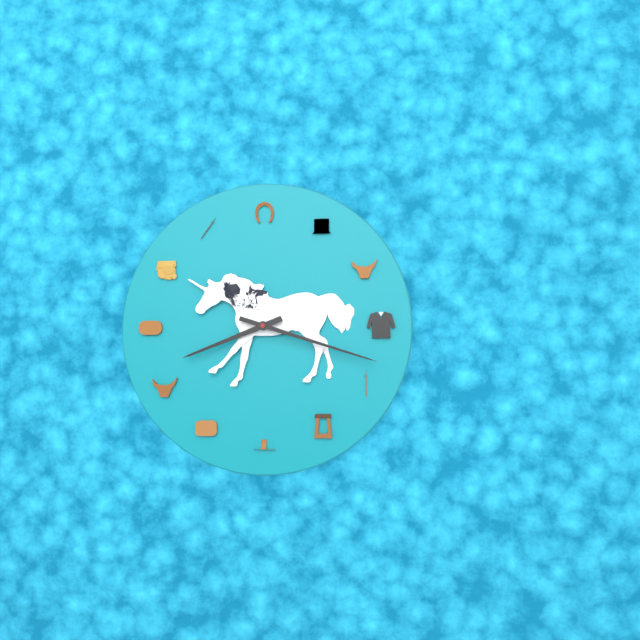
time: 8:18
